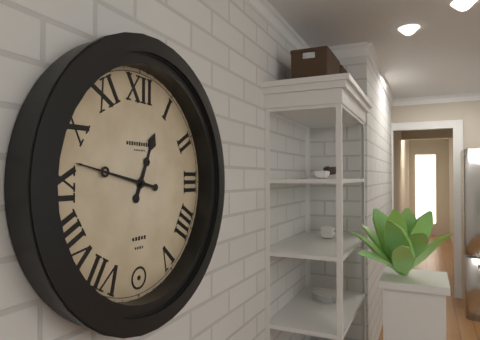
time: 12:47
